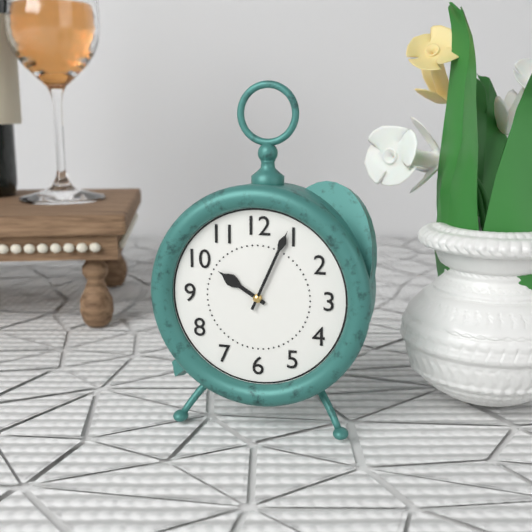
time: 10:04
